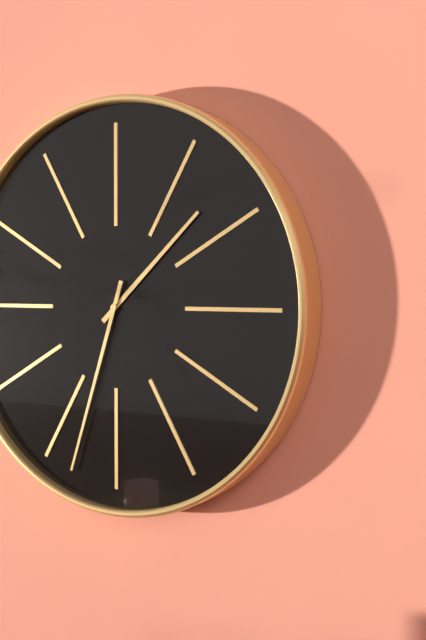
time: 1:33
